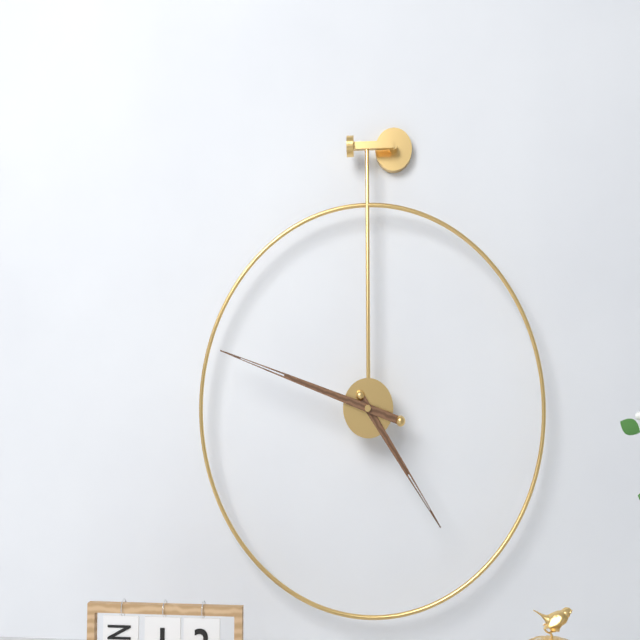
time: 4:48
